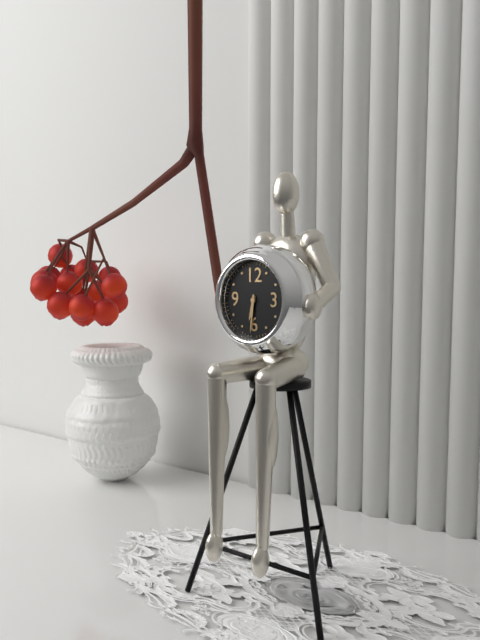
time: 6:31
